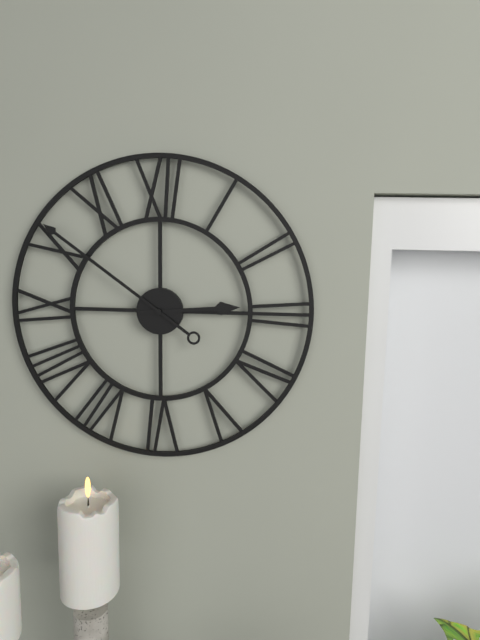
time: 2:51
